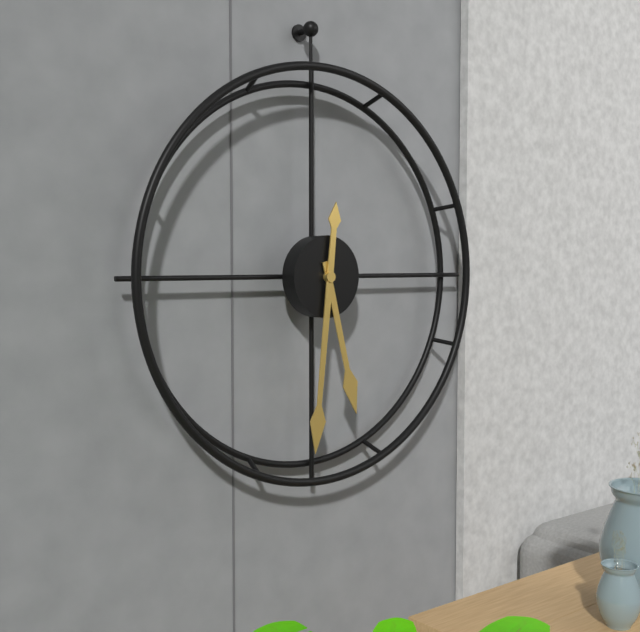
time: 5:31
